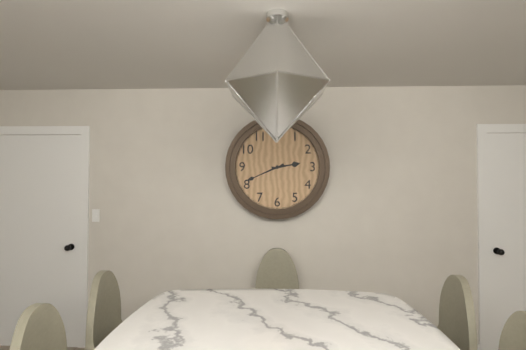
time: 2:41
